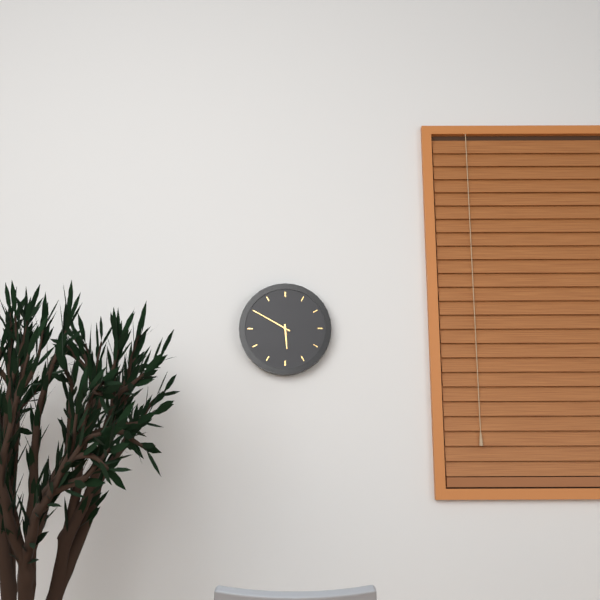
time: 5:50
